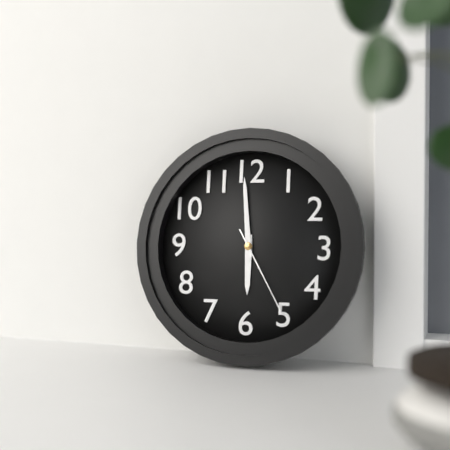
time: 5:59:25
